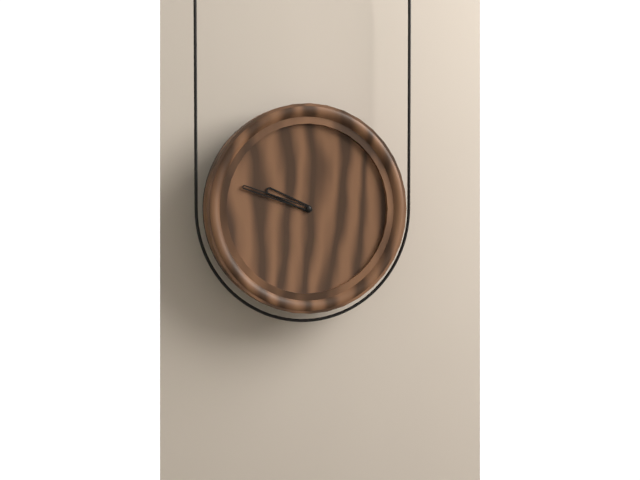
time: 9:48
